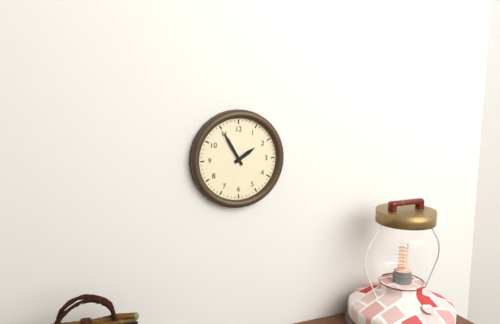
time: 1:55
